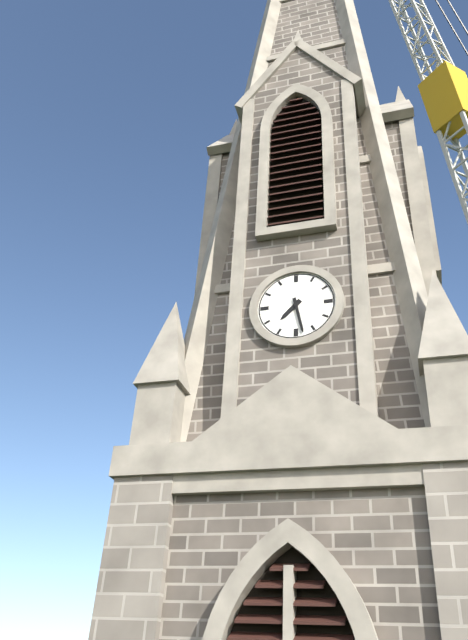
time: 7:28
